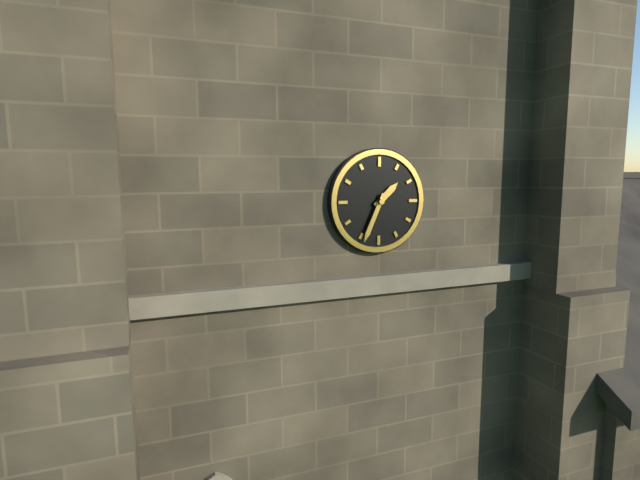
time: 1:34
